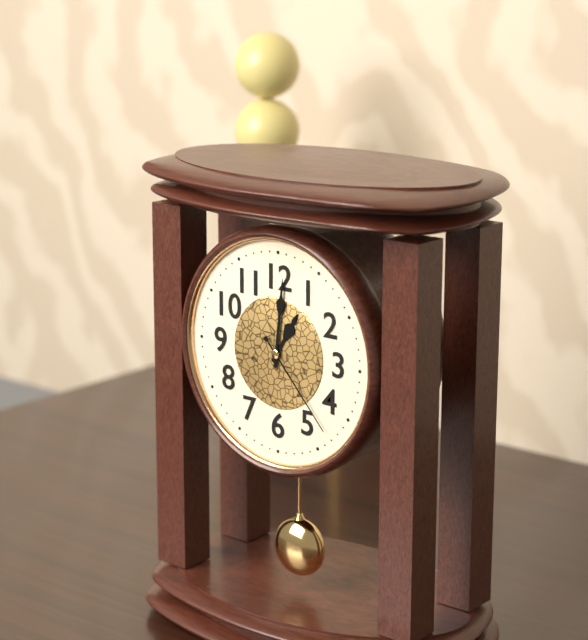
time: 1:01:23
